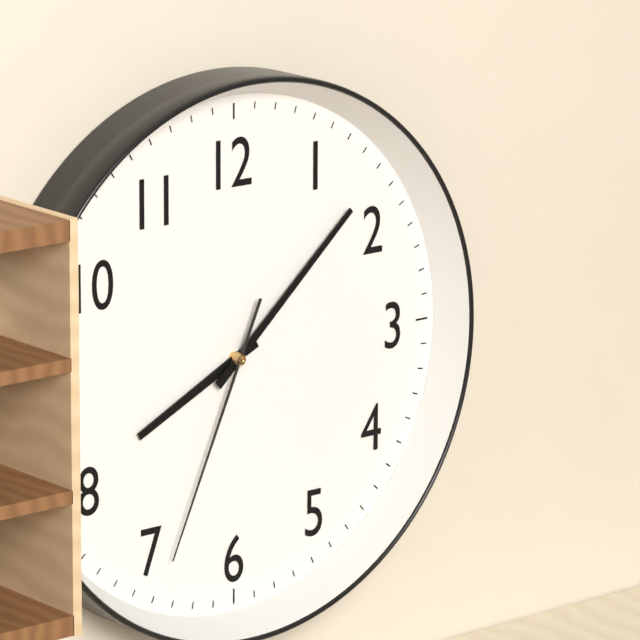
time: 8:08:34
